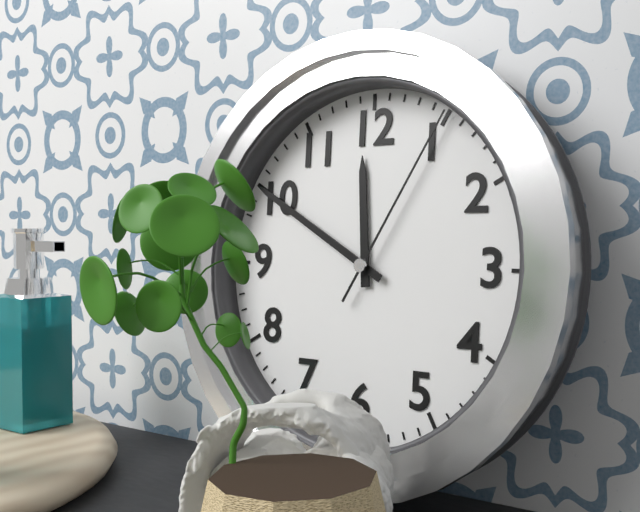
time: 11:50:05
